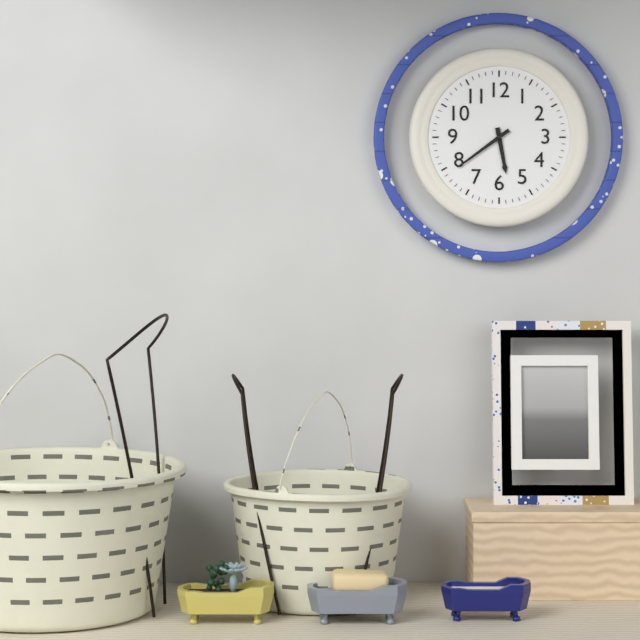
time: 5:39
